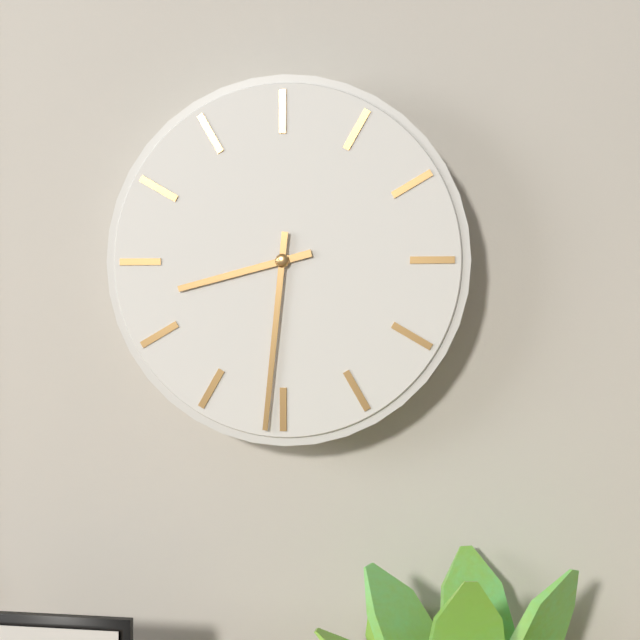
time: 8:31
